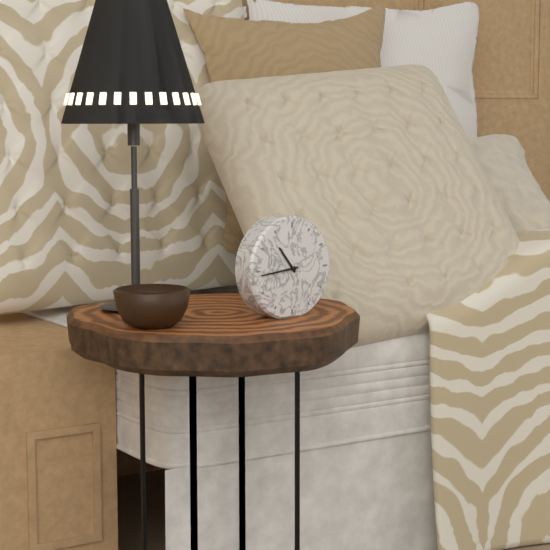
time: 10:44
